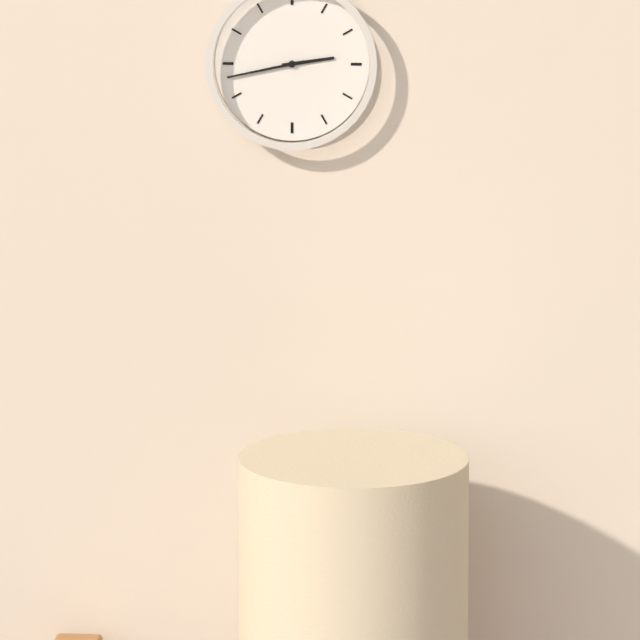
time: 2:43
